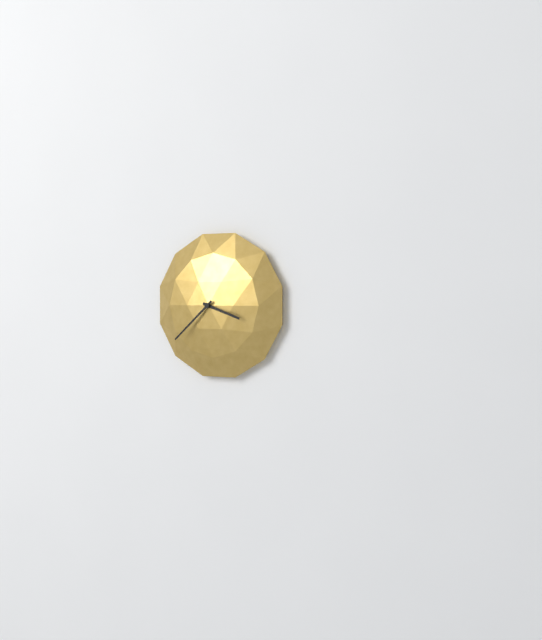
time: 3:38
